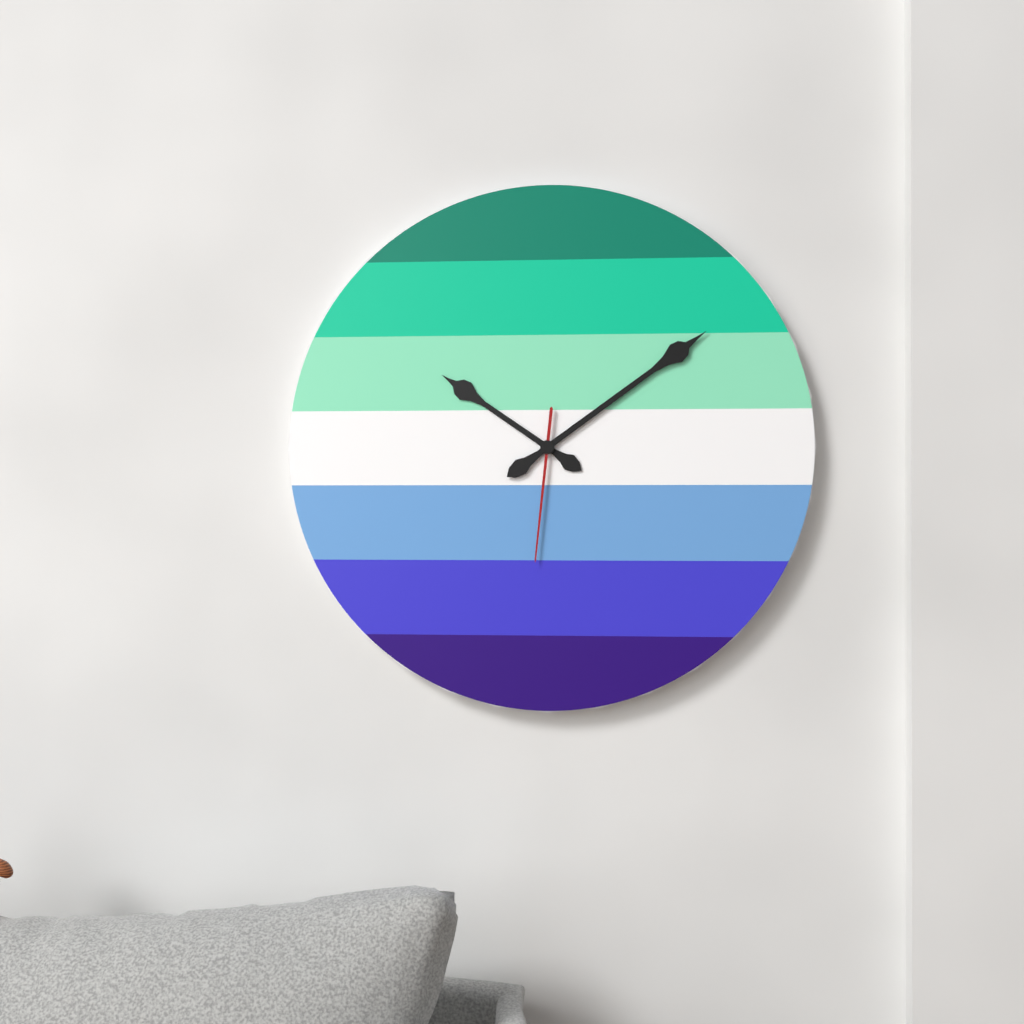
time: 10:09:31
